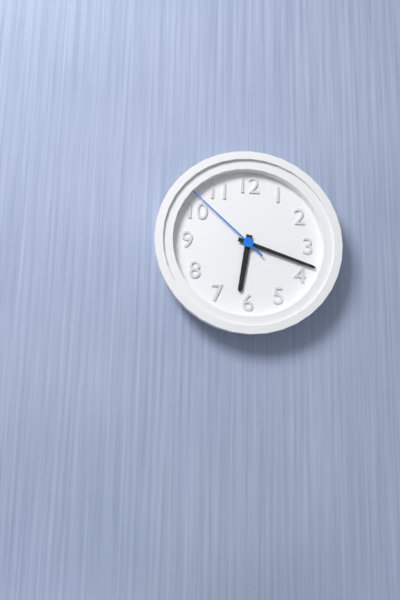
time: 6:18:52
